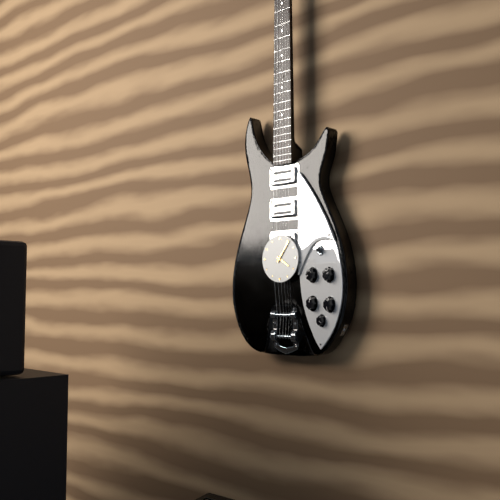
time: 4:06
